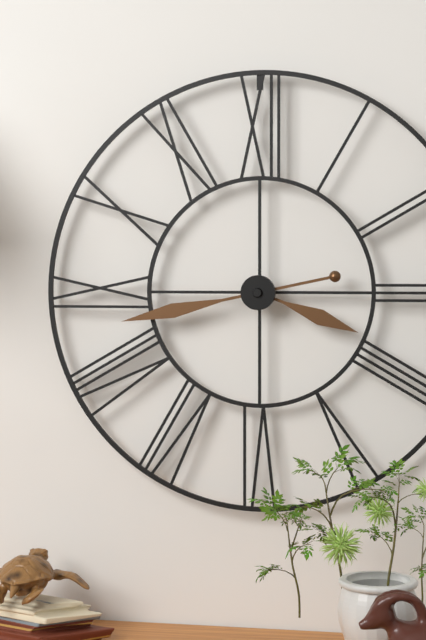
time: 3:43
